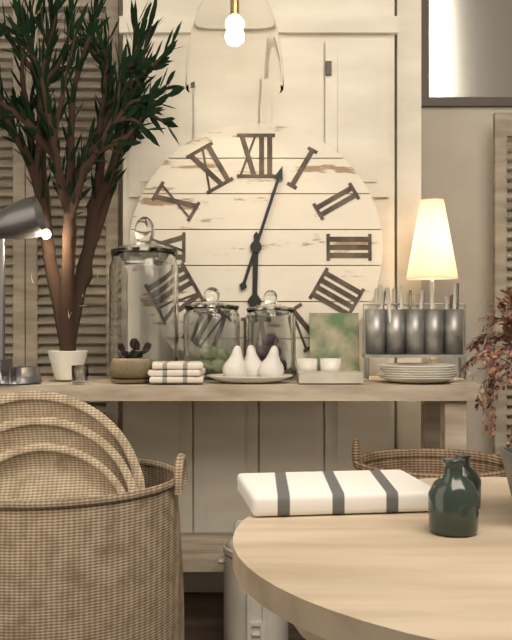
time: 6:03
